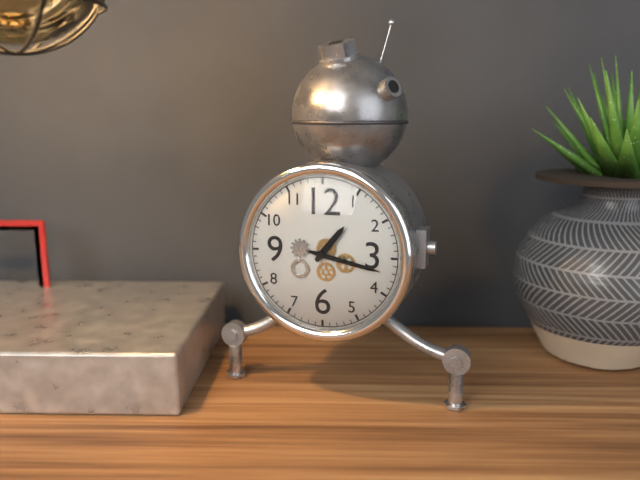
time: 1:17
